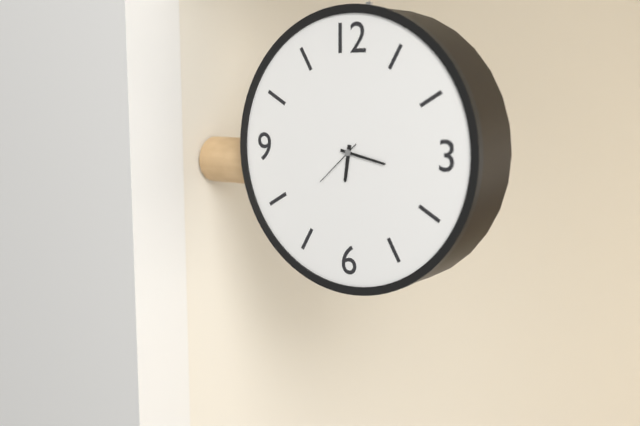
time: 6:17:38
